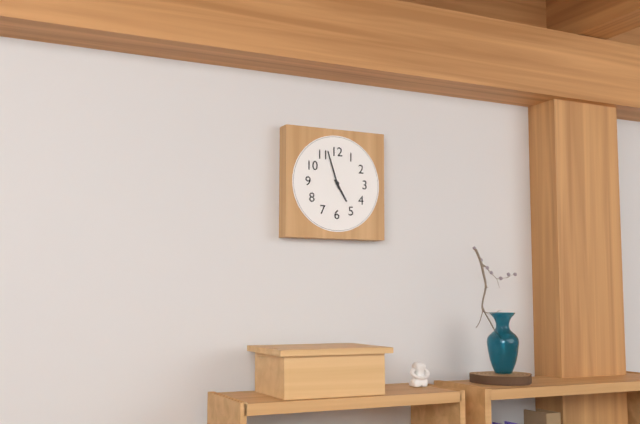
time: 4:57
